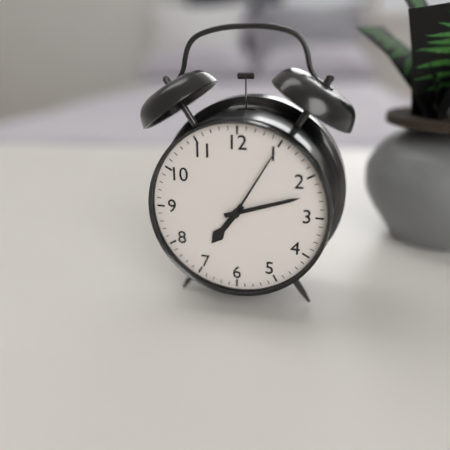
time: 7:12:05
